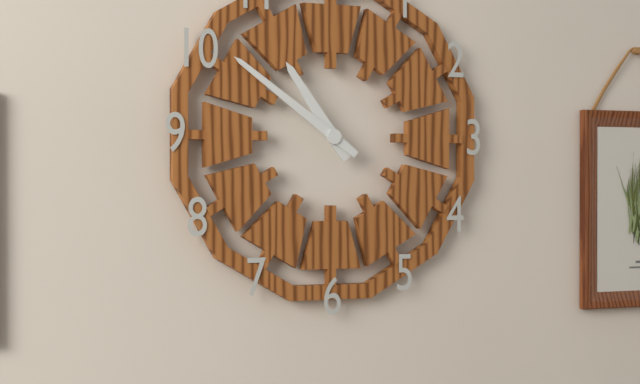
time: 10:51
